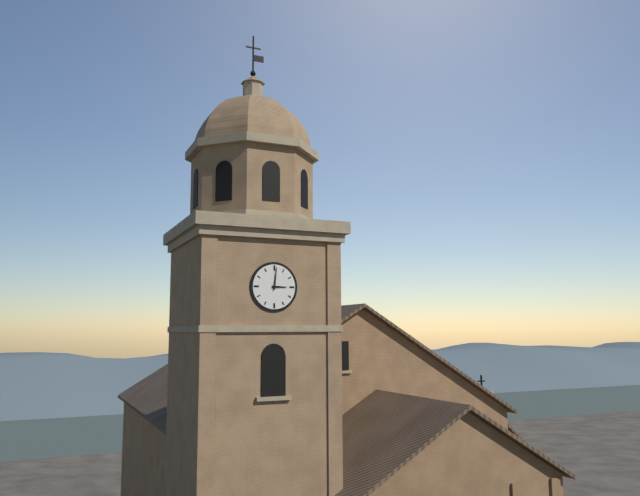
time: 3:01
